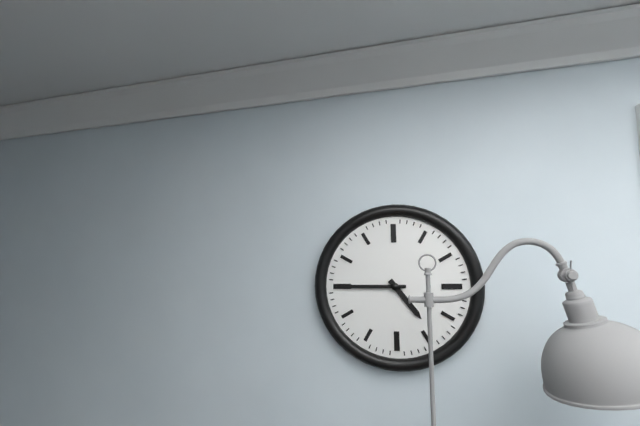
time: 4:45
